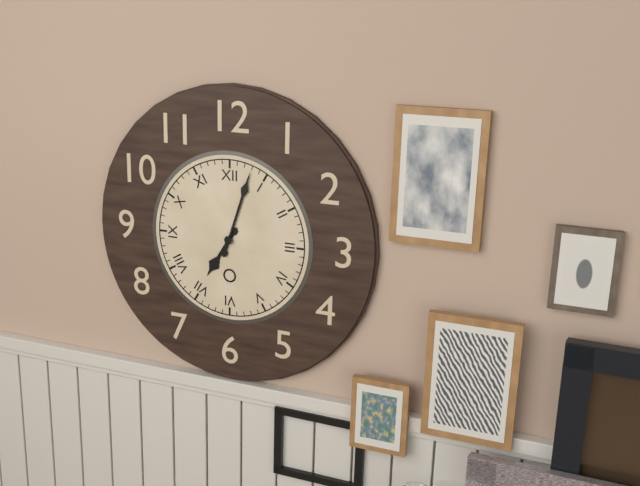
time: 7:03
